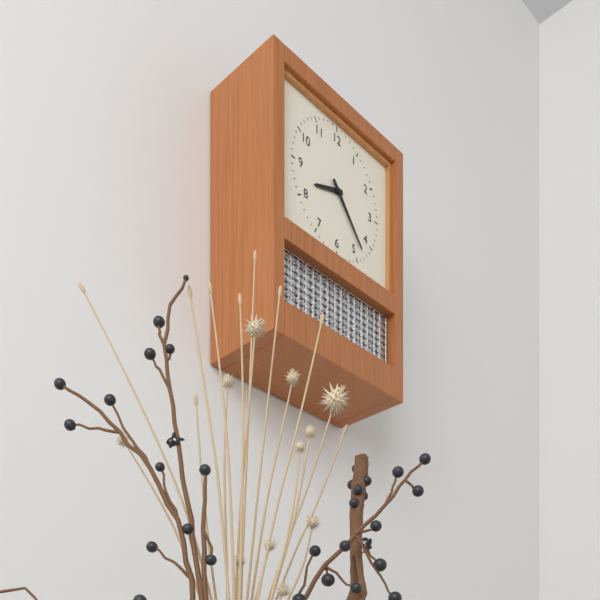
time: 8:23
